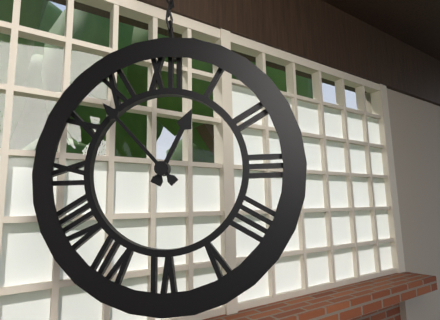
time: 12:53
